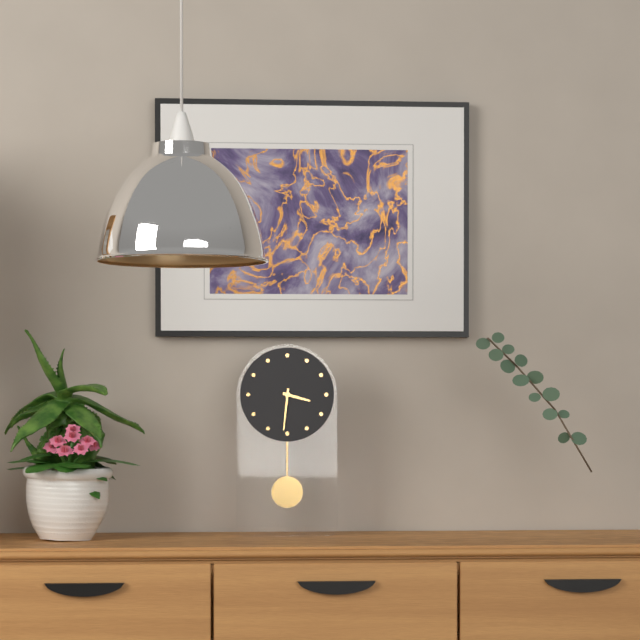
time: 3:31
